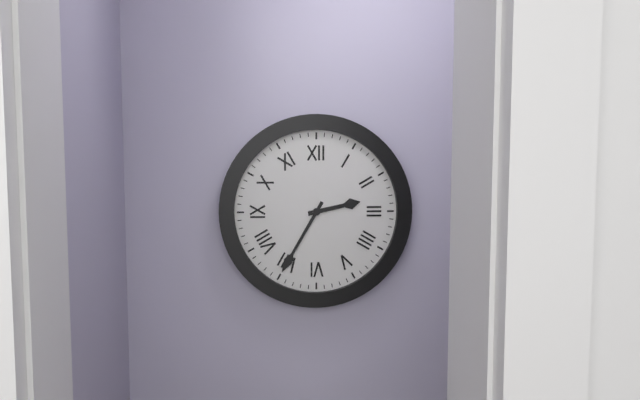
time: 2:35
